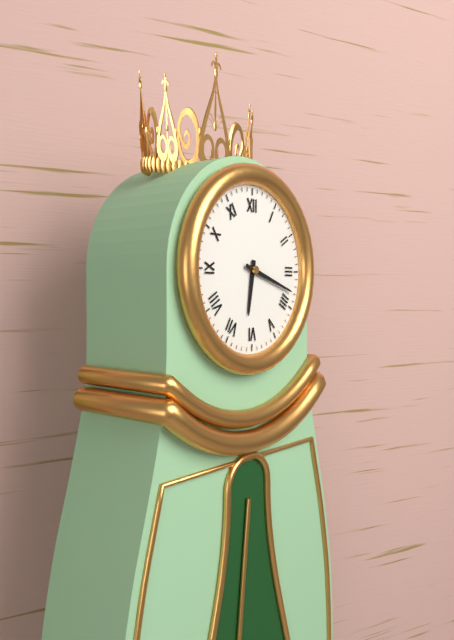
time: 6:18
